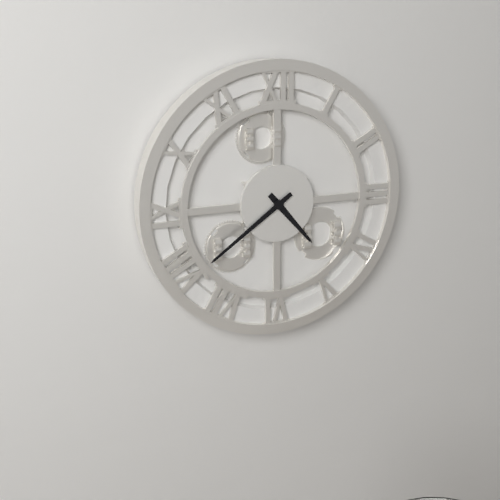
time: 4:39
